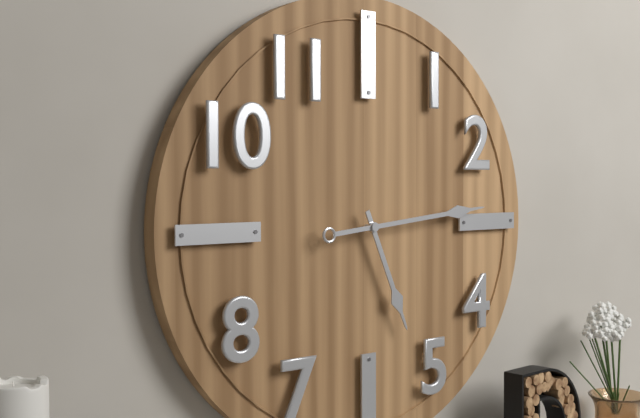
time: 5:14
